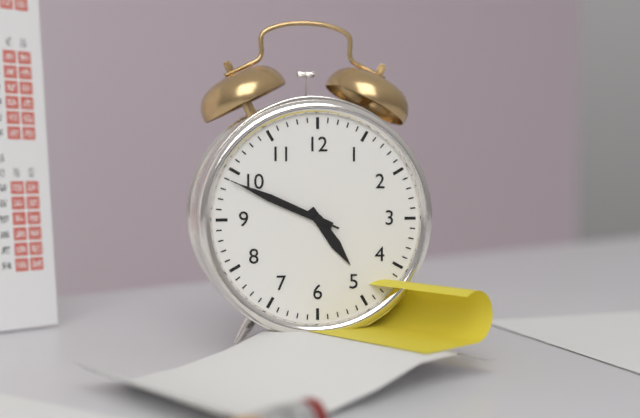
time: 4:49:49
